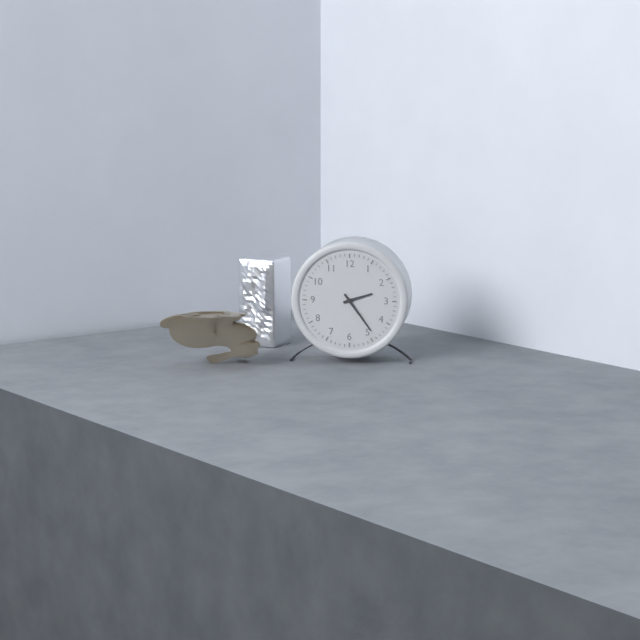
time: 2:24
